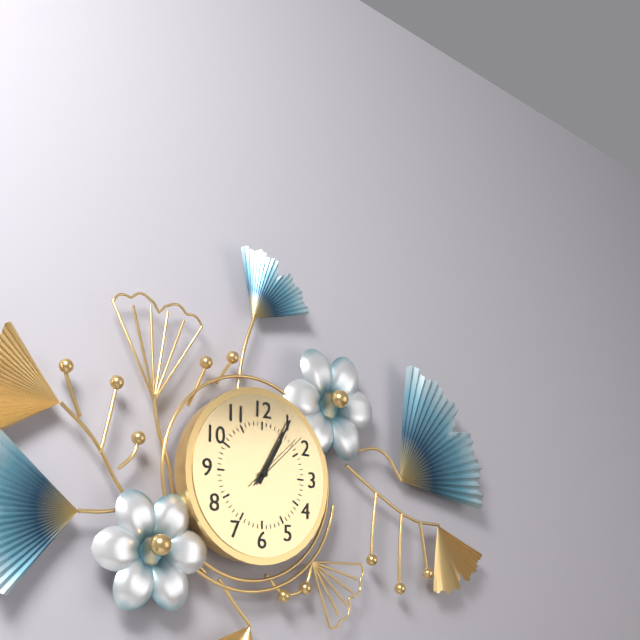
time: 1:05:08
